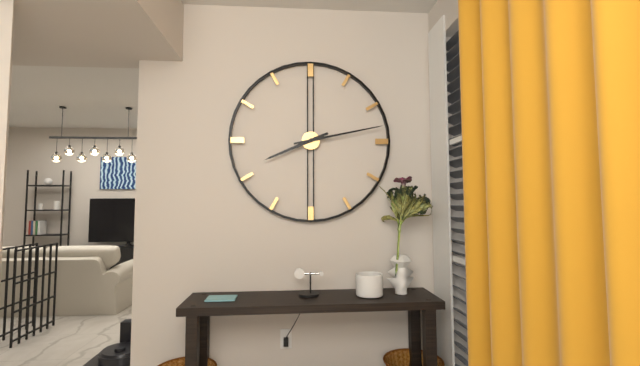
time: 8:13
